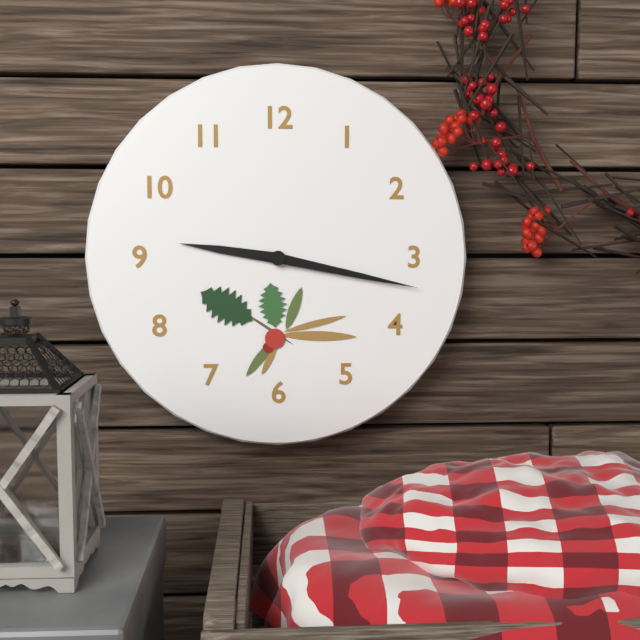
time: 9:17
